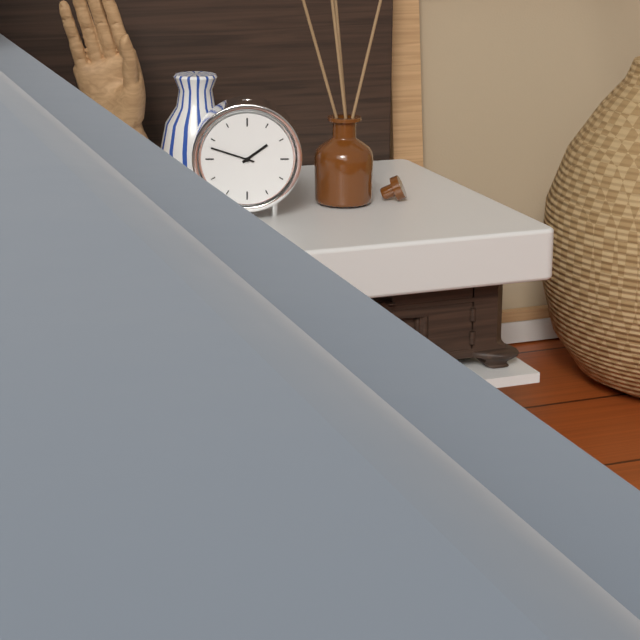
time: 1:48
